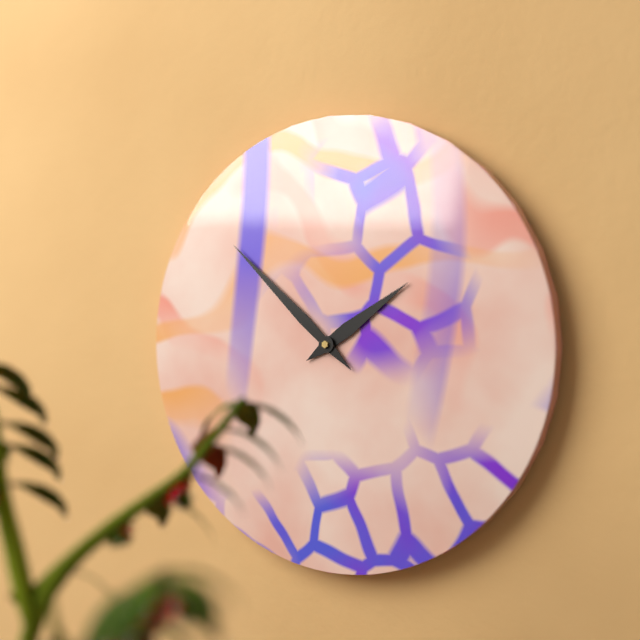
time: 1:52
